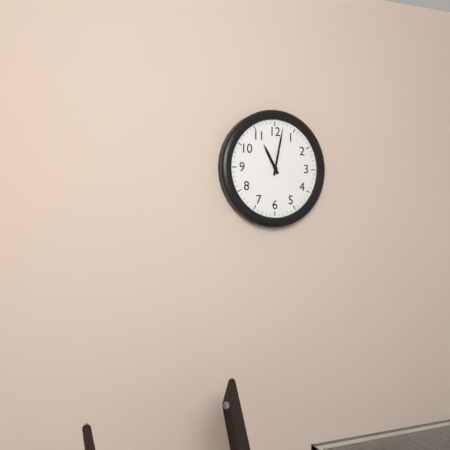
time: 11:02
